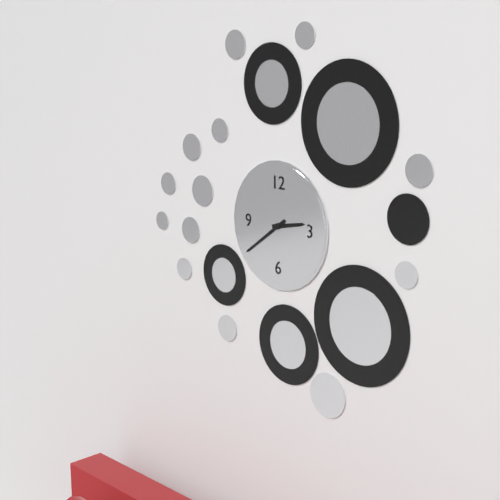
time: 2:39
